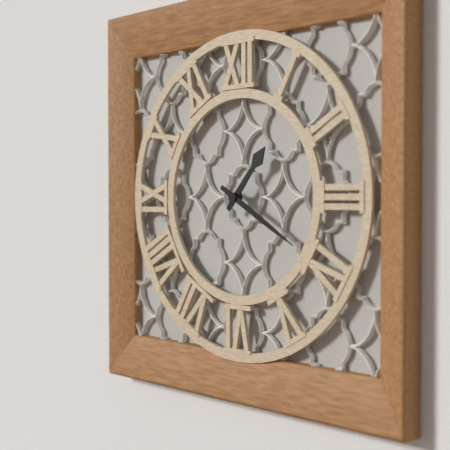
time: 1:20
